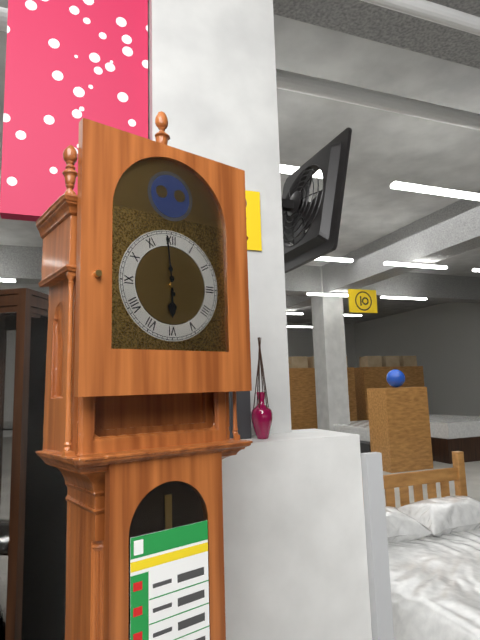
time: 5:59
